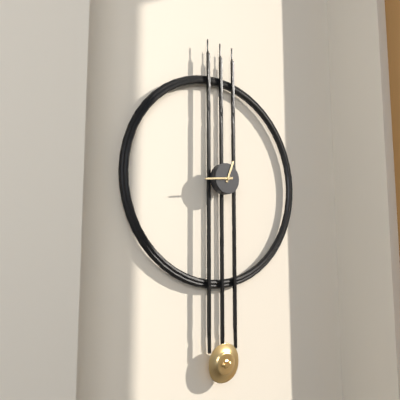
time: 12:44
